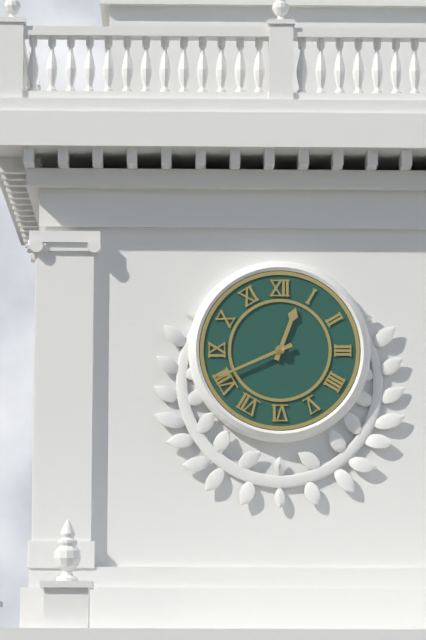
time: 12:41
